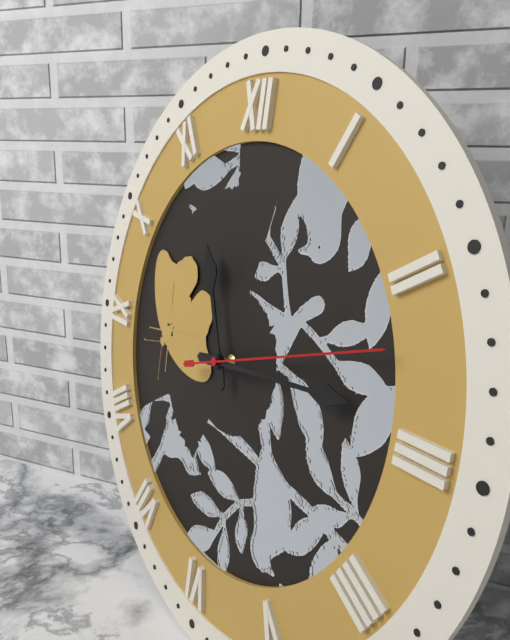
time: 11:14:12
